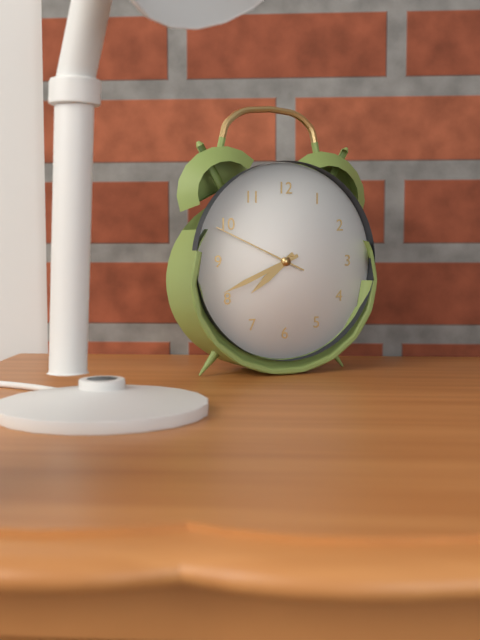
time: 7:41:49
